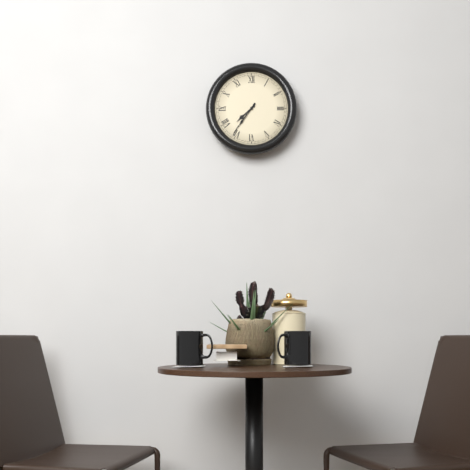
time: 7:36
